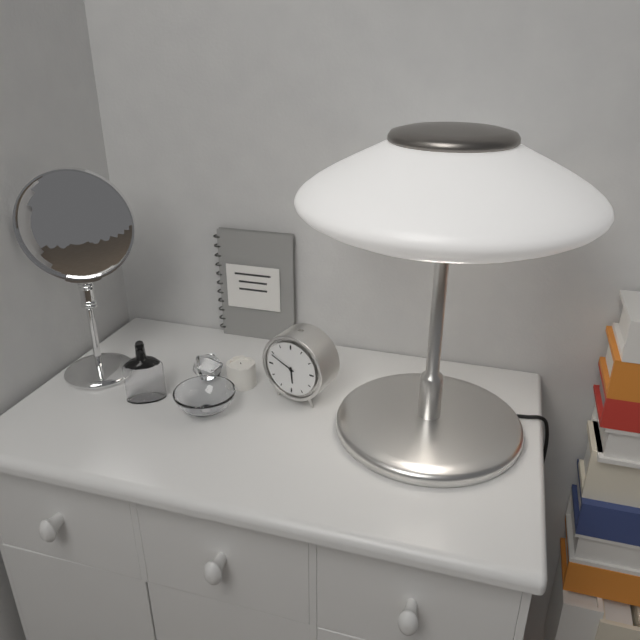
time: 5:49
